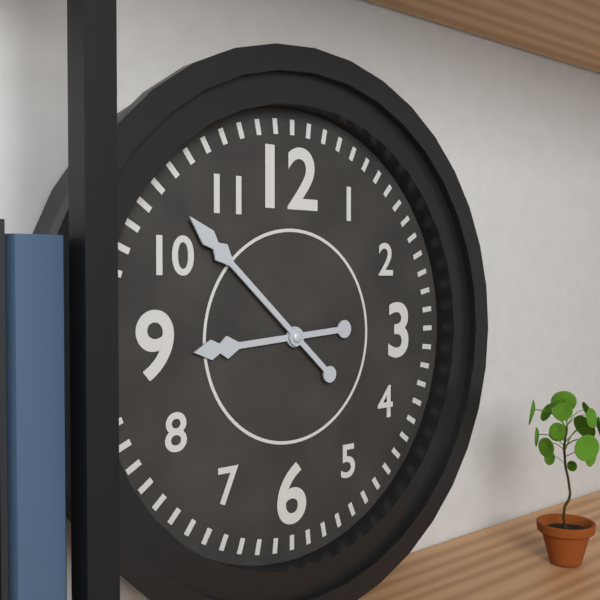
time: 8:52
